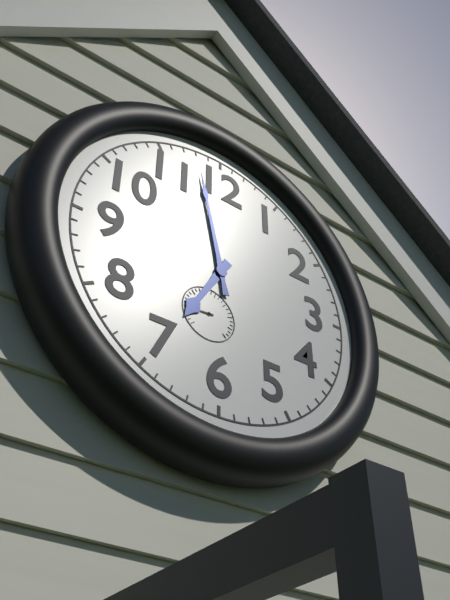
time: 6:58
